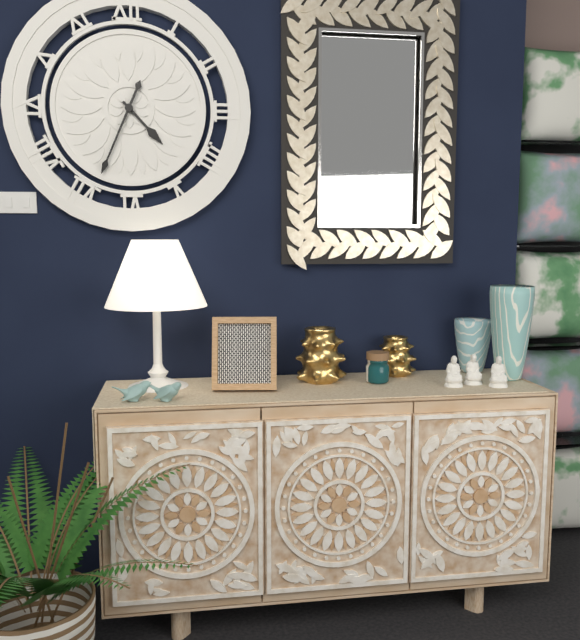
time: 4:34
